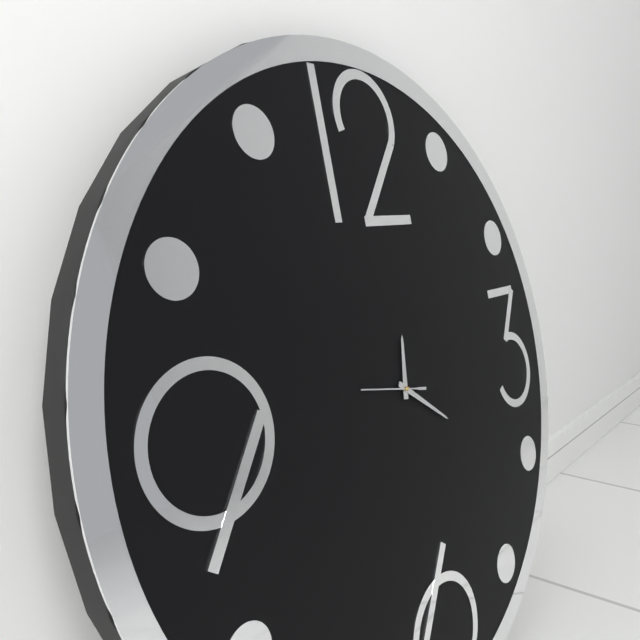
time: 12:21:47
